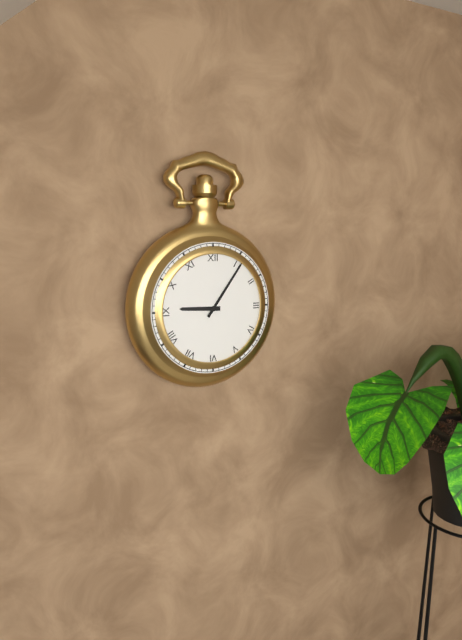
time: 9:06
